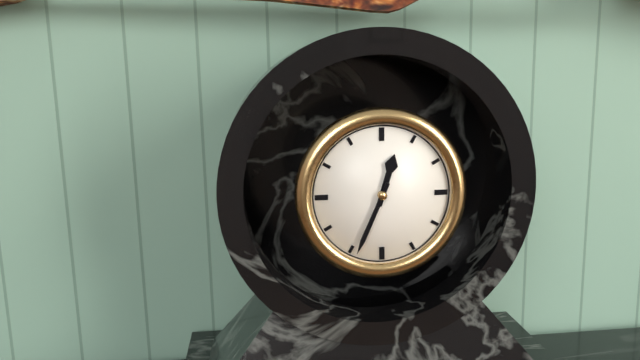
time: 12:34
